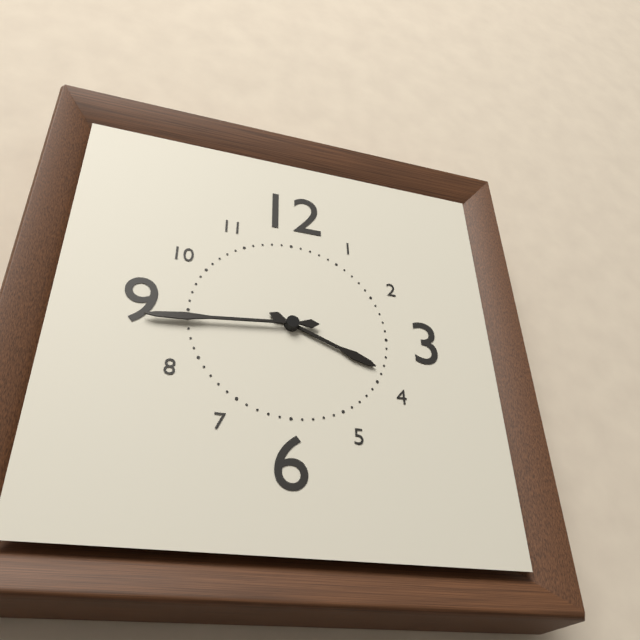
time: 3:44
